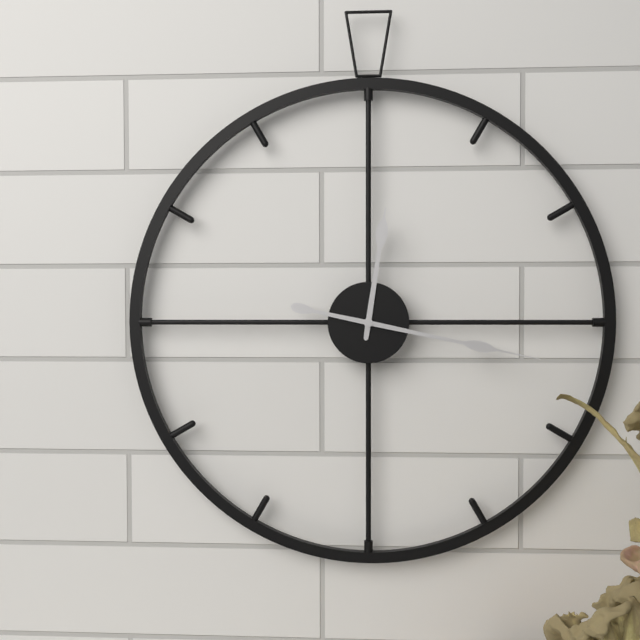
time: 12:17
